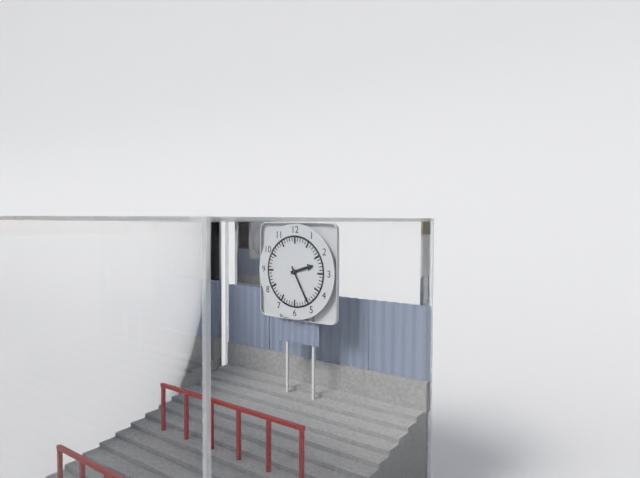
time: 2:25
